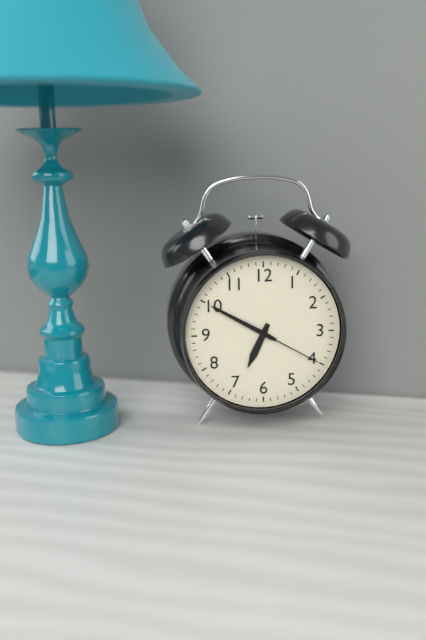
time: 6:50:20
